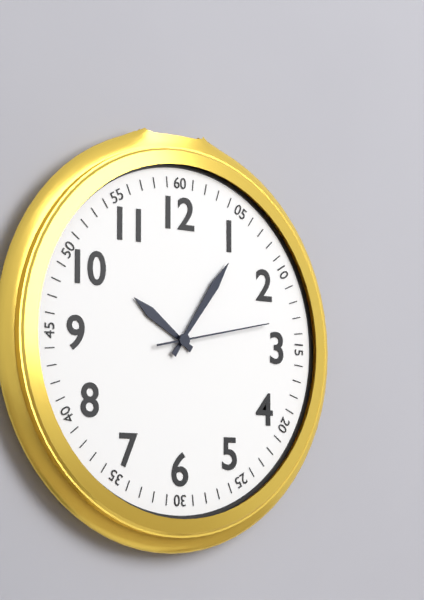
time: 10:06:13
